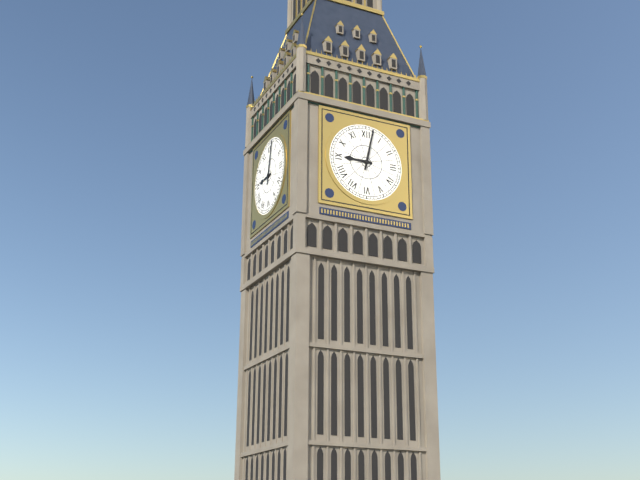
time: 9:02
